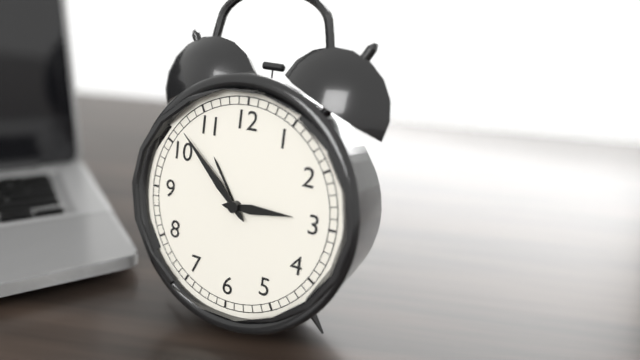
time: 2:52
